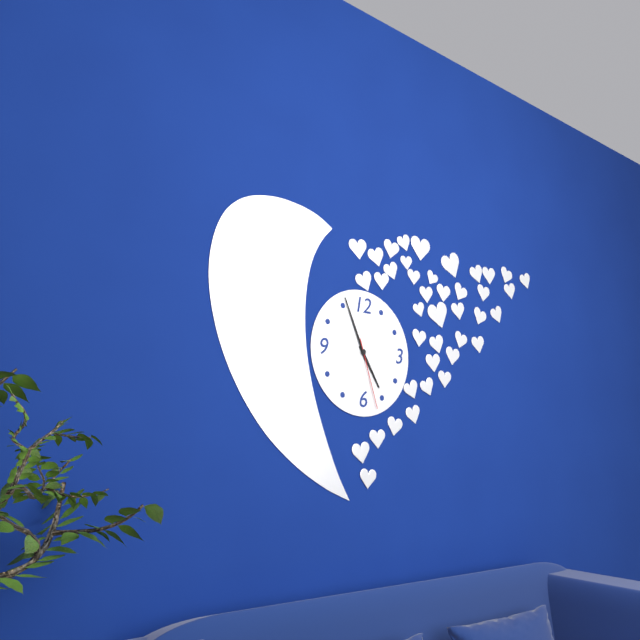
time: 4:56:27
